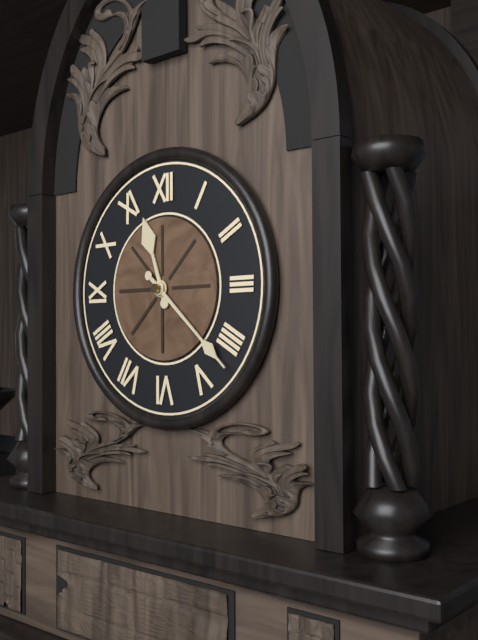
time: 11:22
